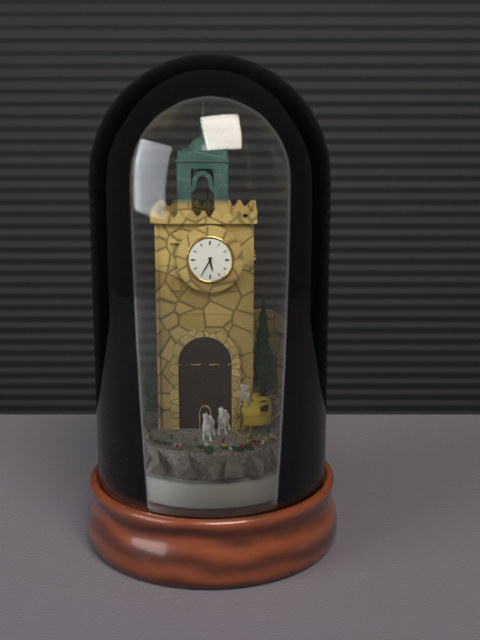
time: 5:35
